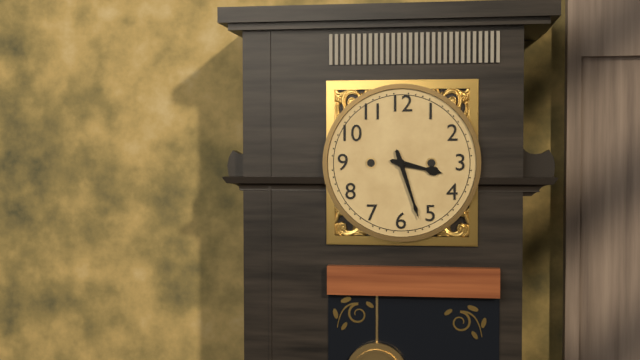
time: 3:27
